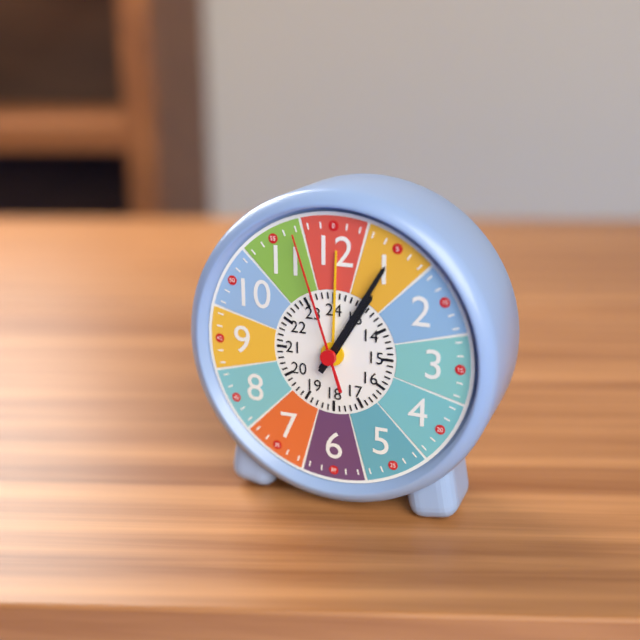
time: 1:05:57
